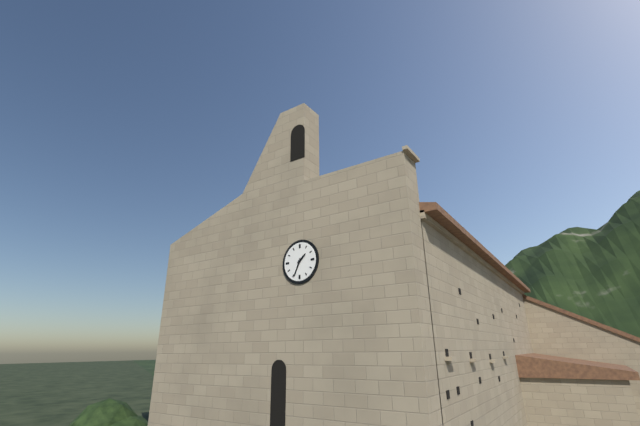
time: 1:34
